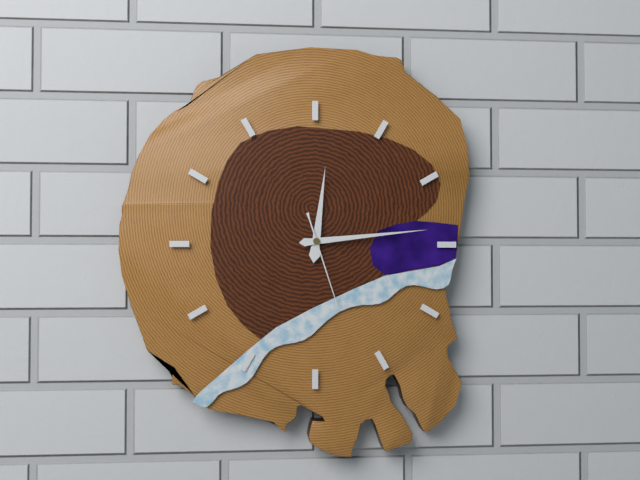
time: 12:14:27
